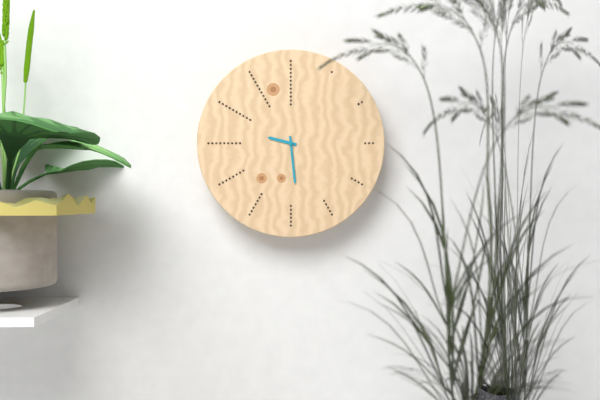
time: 9:29
